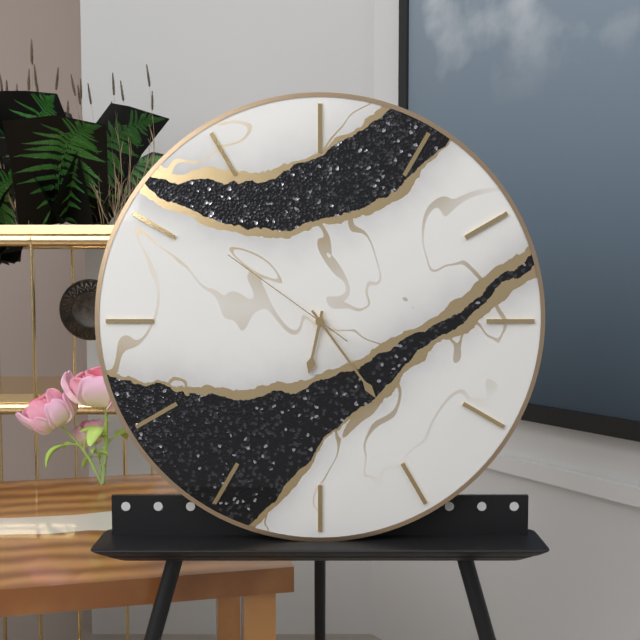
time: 6:24:51
